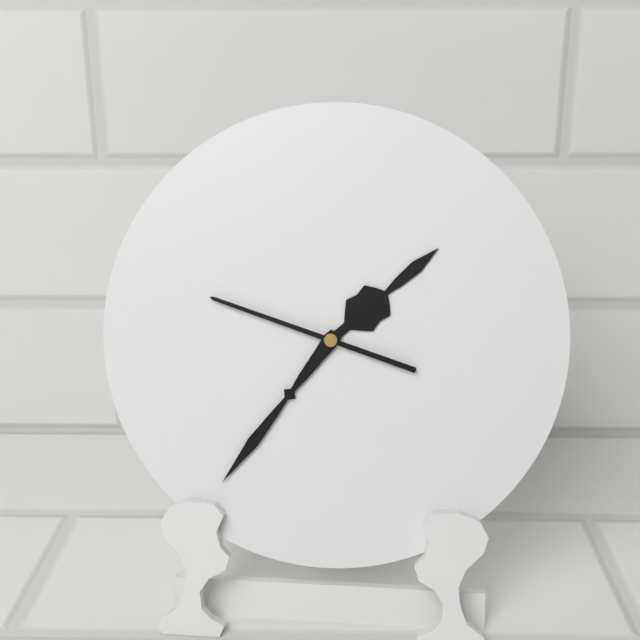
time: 1:36:48
